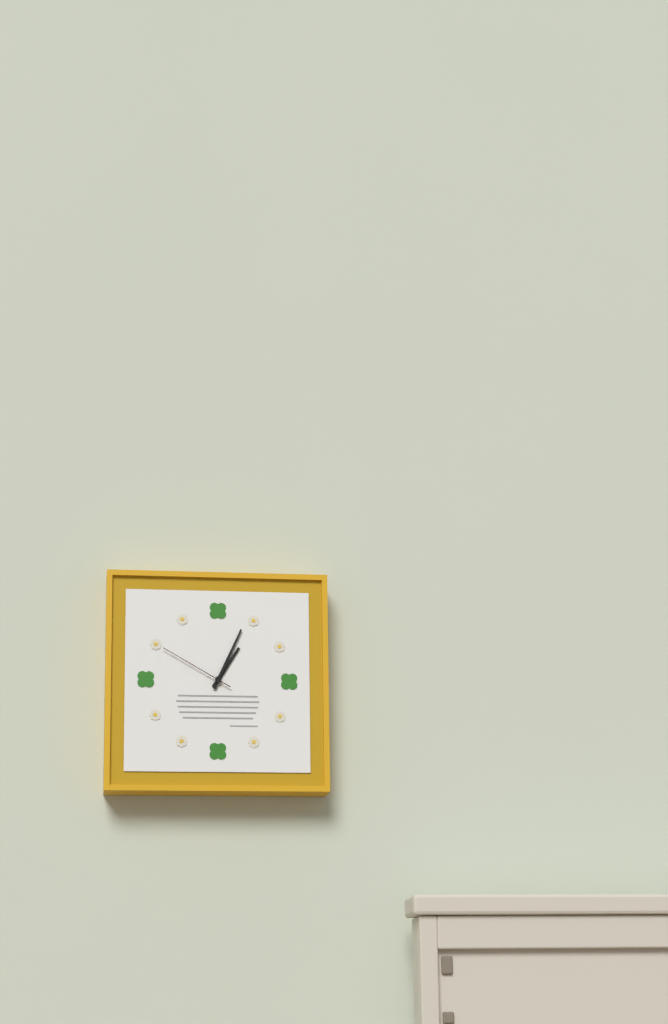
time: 1:04:50
